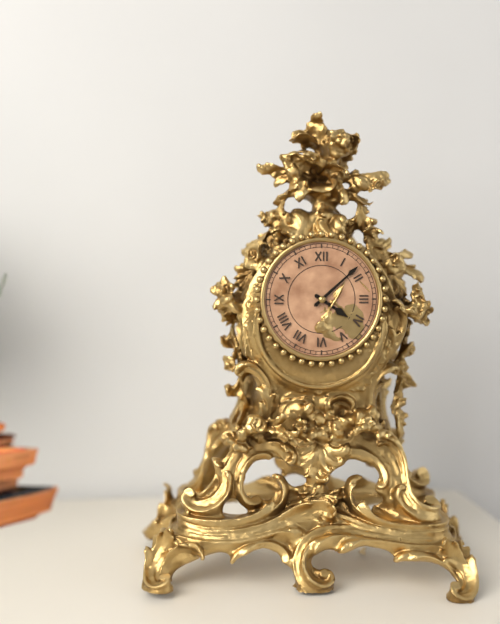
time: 4:08
